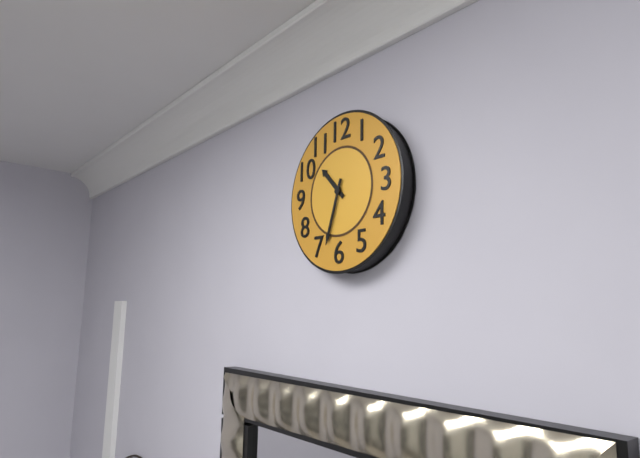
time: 10:33
